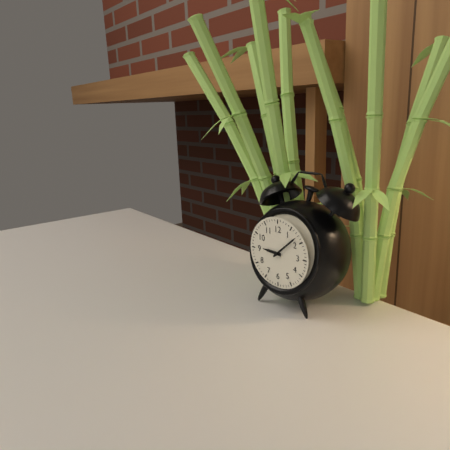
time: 9:08
